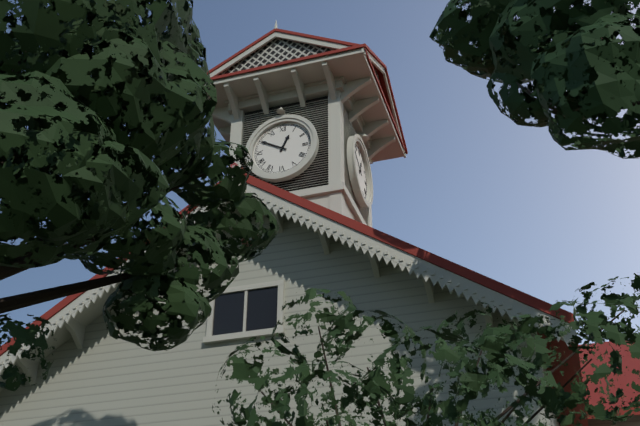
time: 12:50
